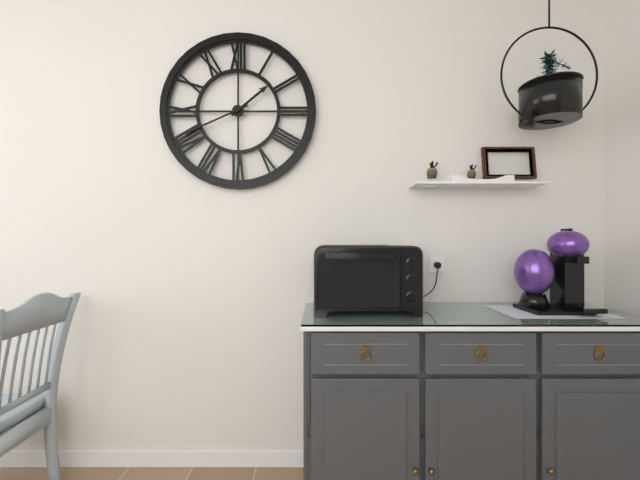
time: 1:41
